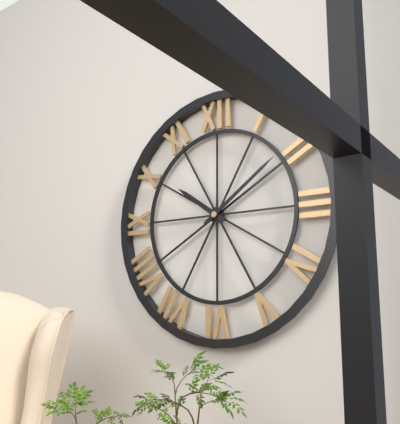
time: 10:09
